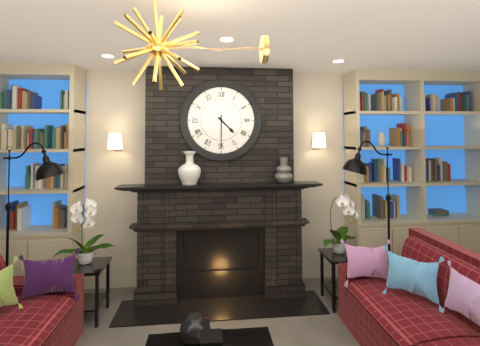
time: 4:30
